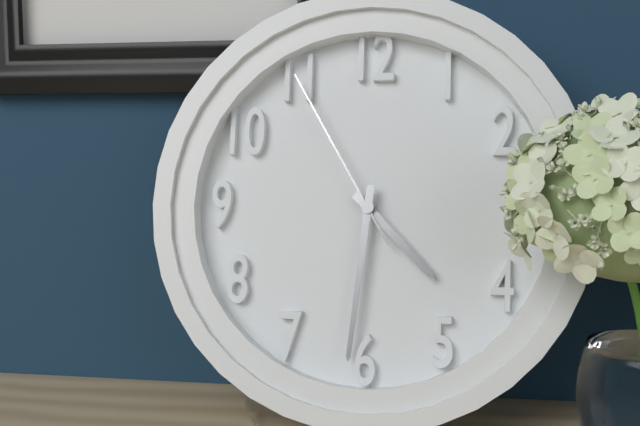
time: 4:31:55
